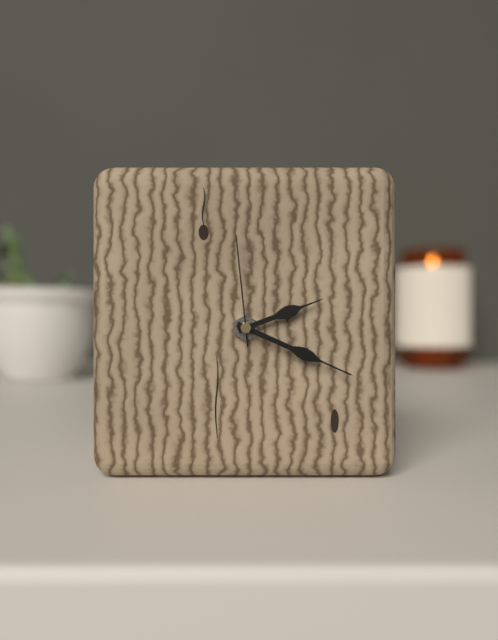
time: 2:19:59
